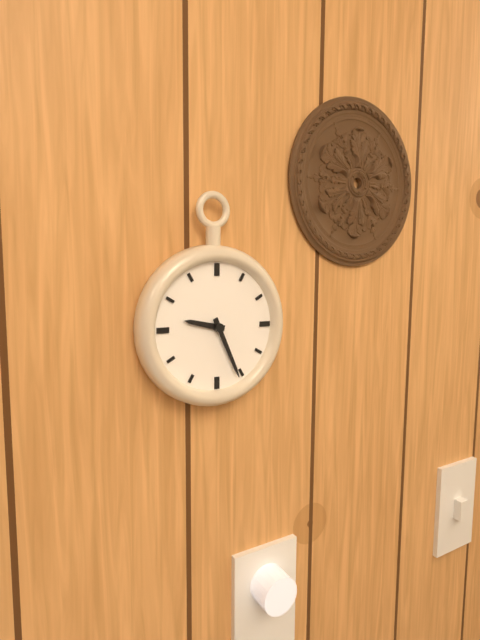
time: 9:26
